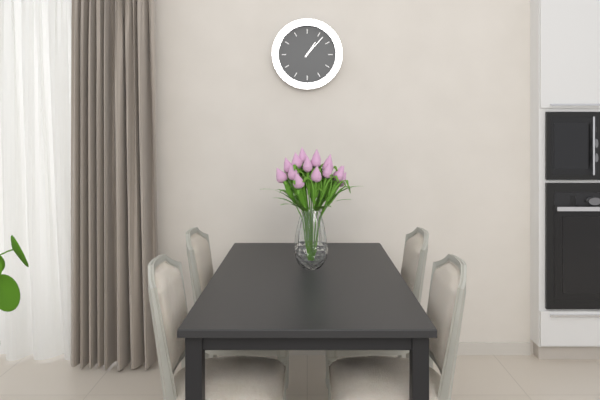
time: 1:07
